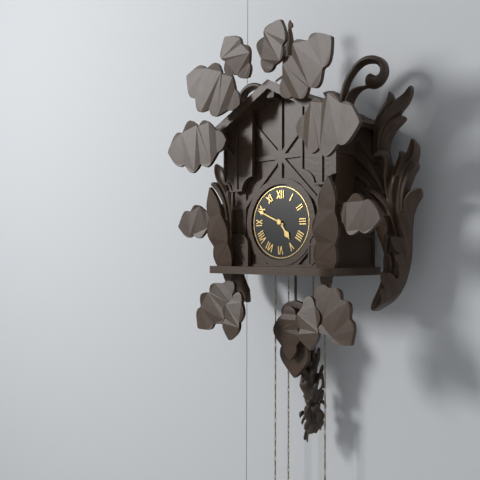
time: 4:49
